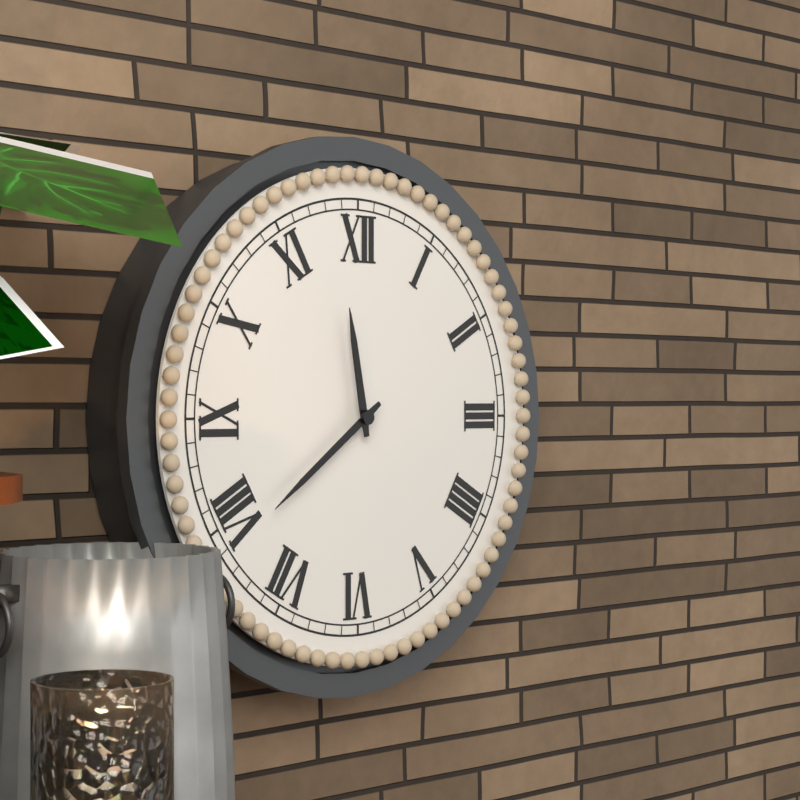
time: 11:39
